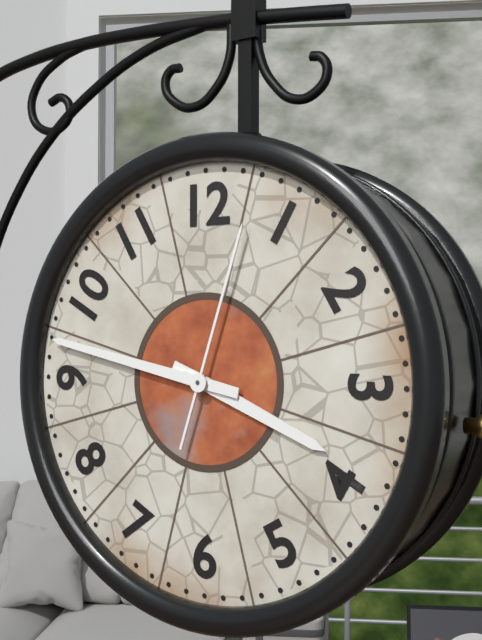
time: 3:47:03
